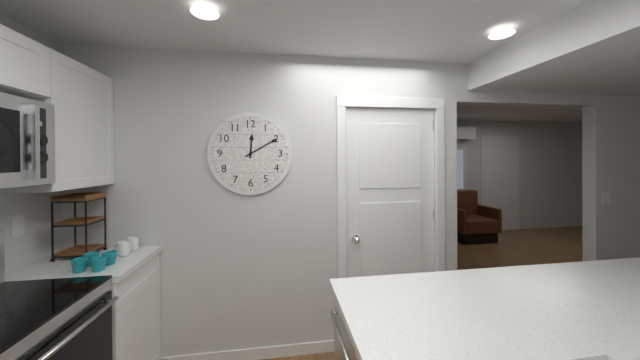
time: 12:10
